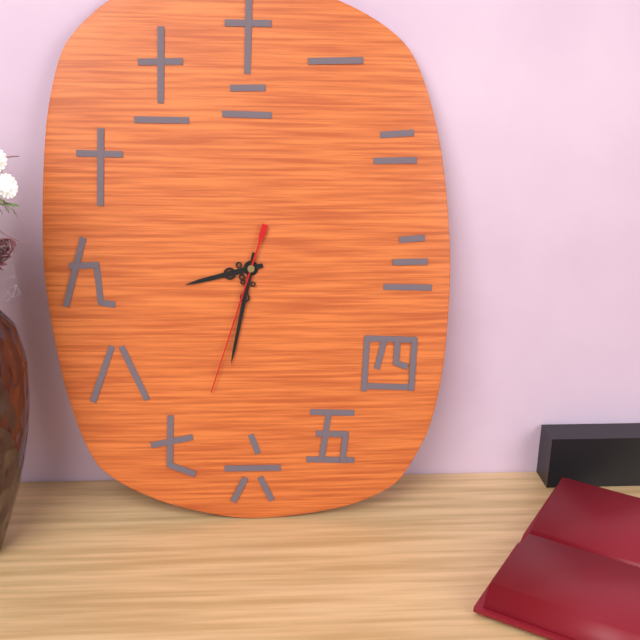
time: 8:32:33
